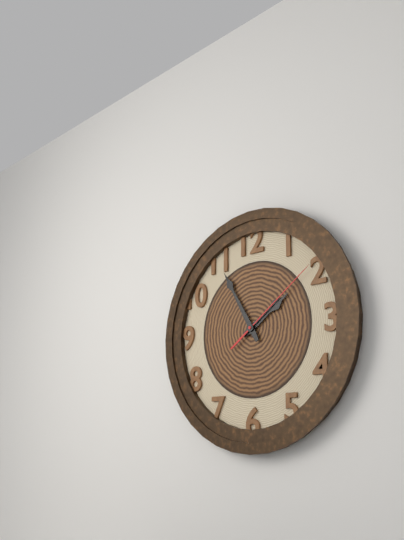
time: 1:55:09
